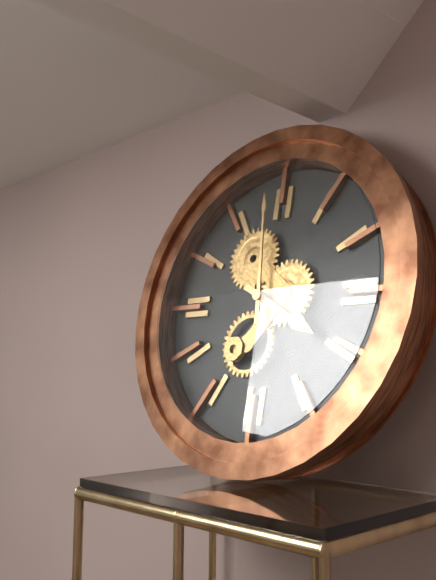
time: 3:59
